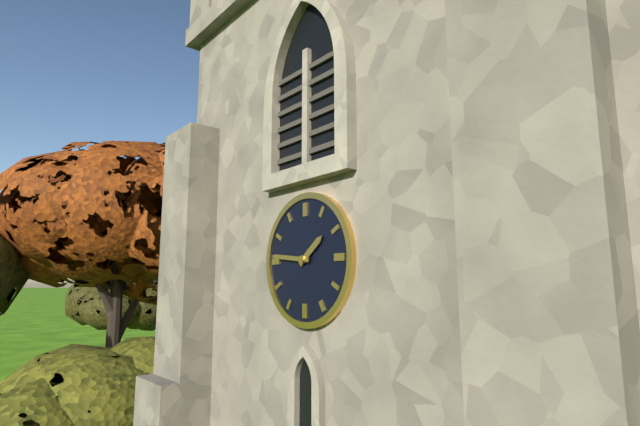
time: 1:46
